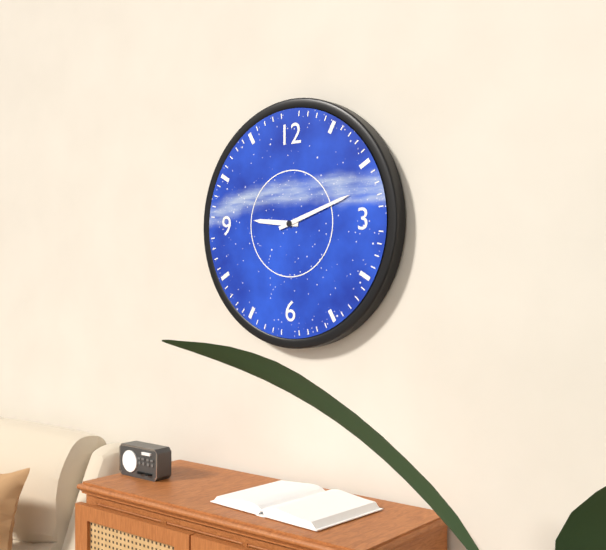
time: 9:12
